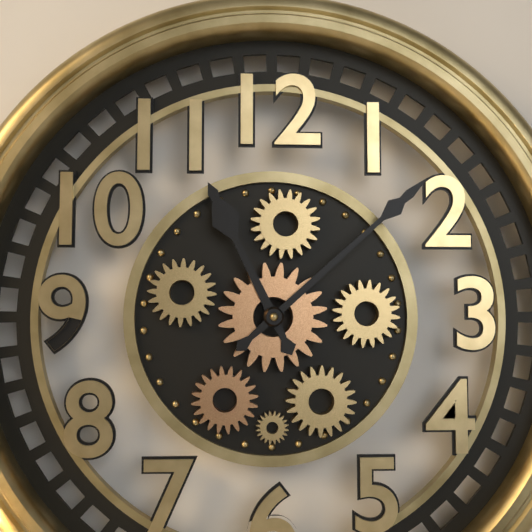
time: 11:08
